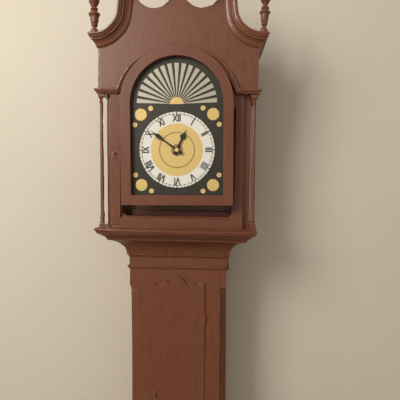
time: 12:51
